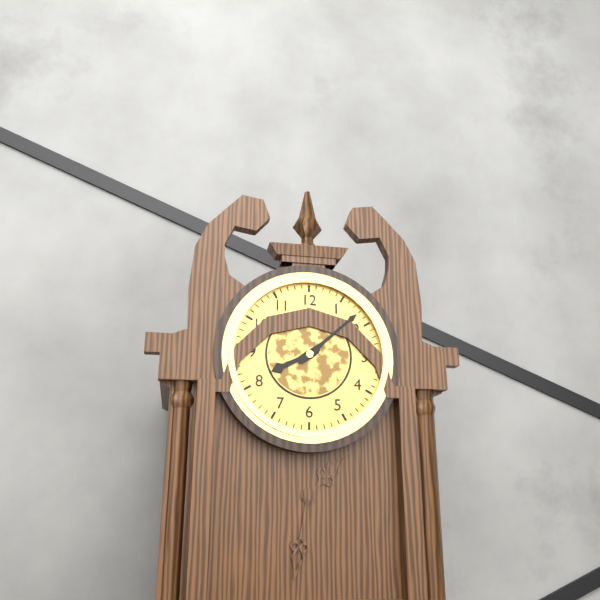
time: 8:08
